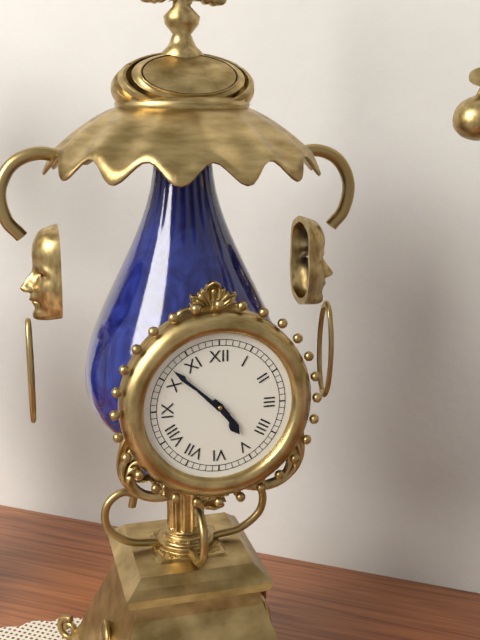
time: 4:52
